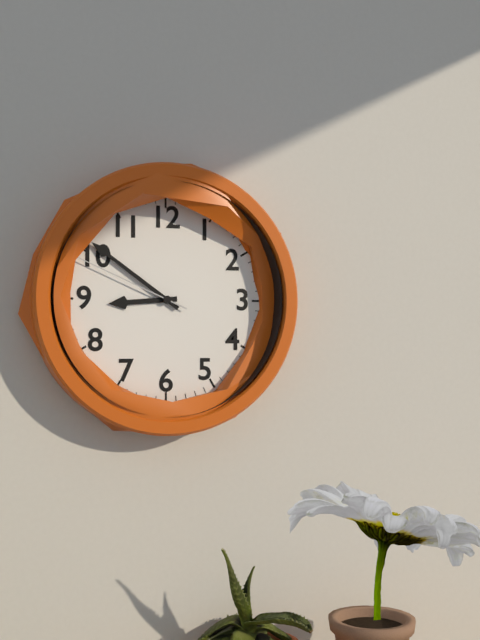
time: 8:51:49
